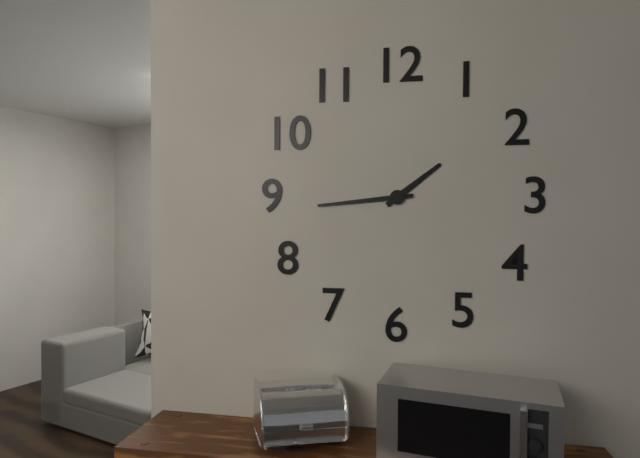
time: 1:44
